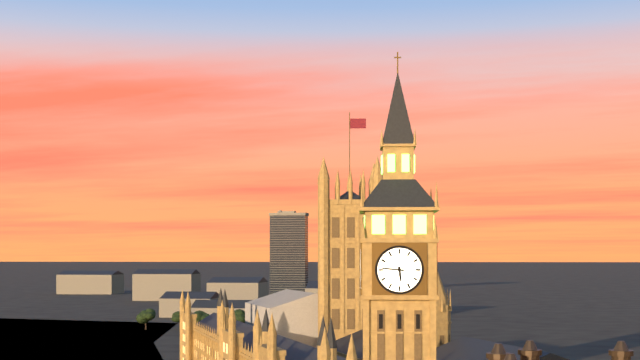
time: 5:46
